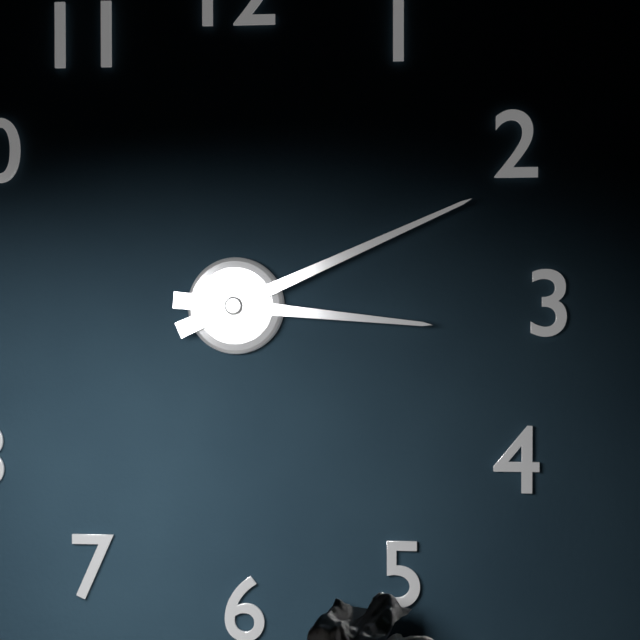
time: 3:11
